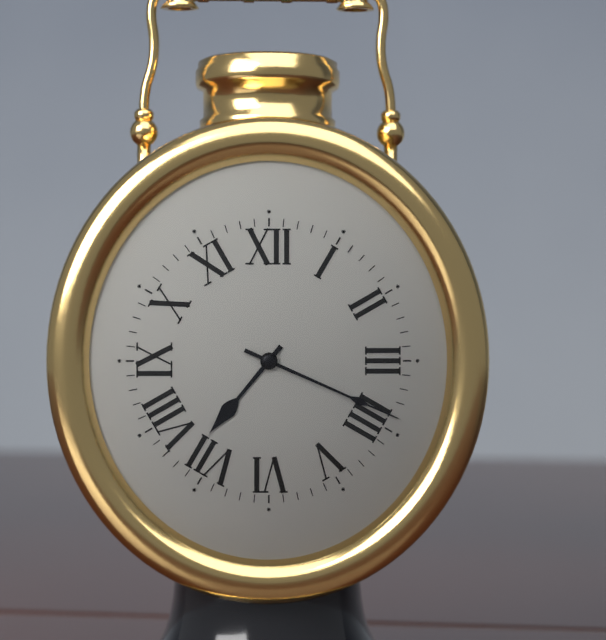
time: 7:19
